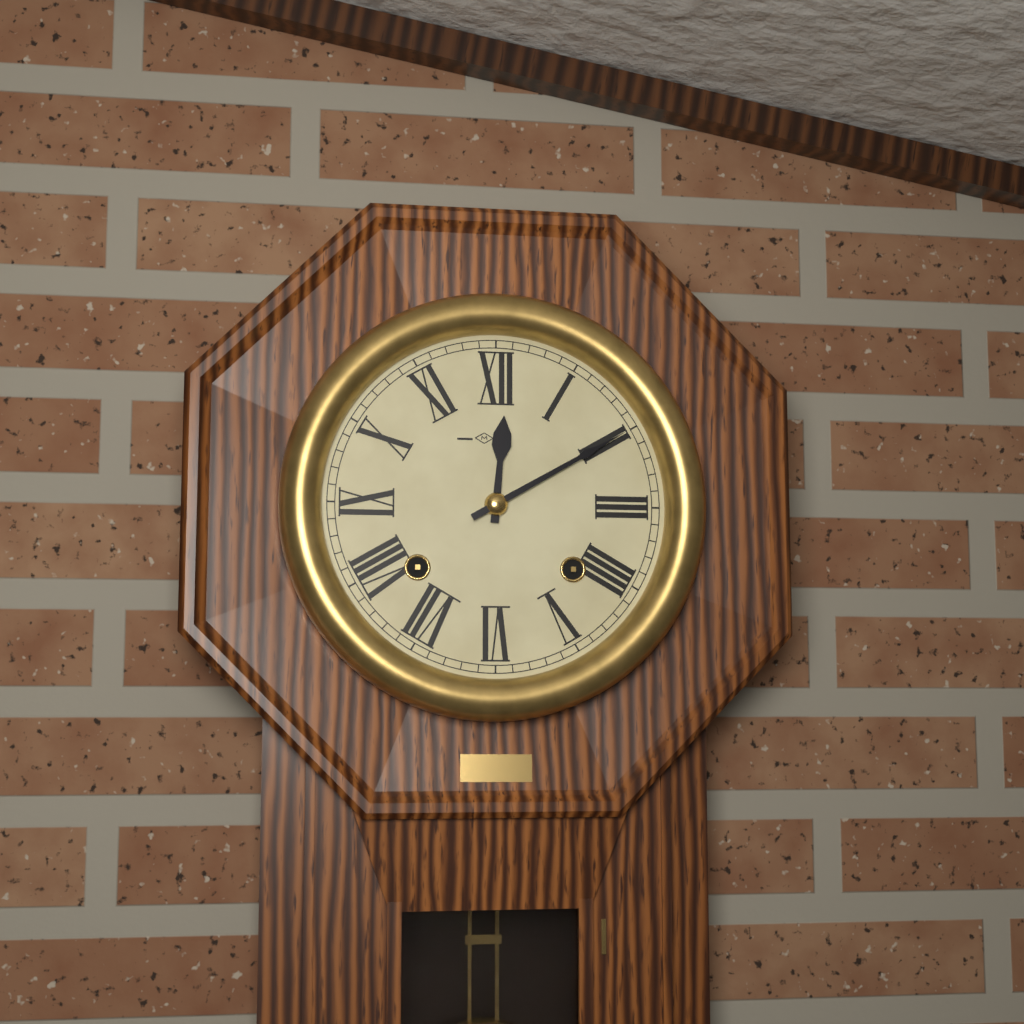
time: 12:10
